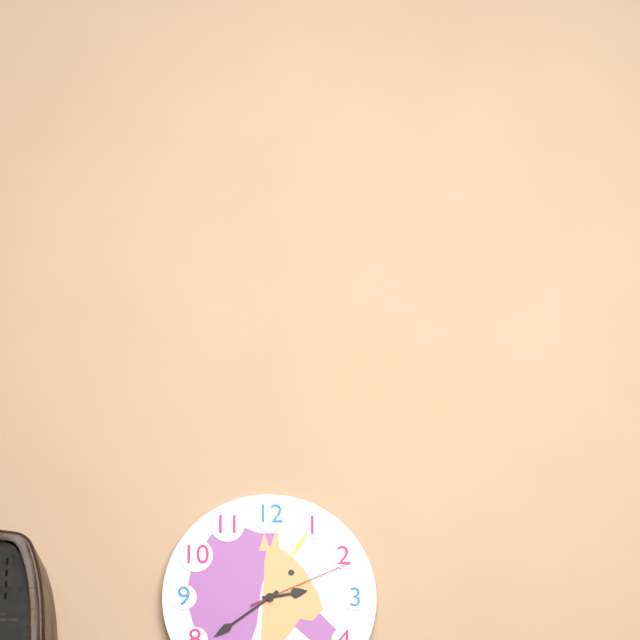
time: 2:39:11
